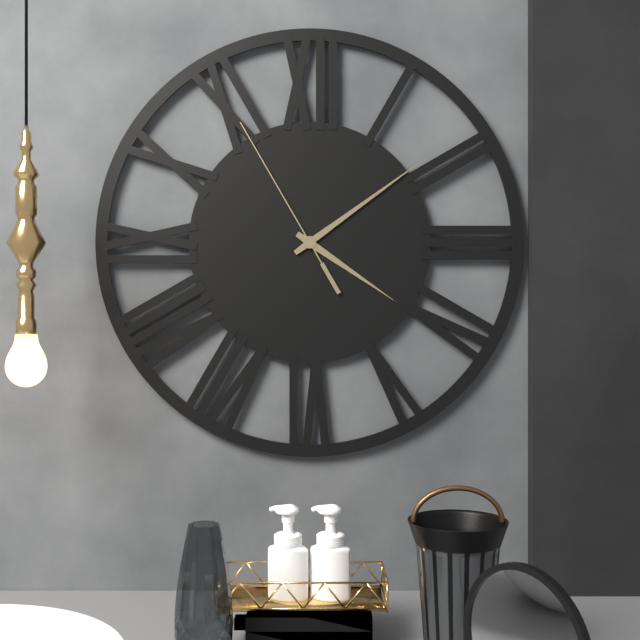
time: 4:09:55
